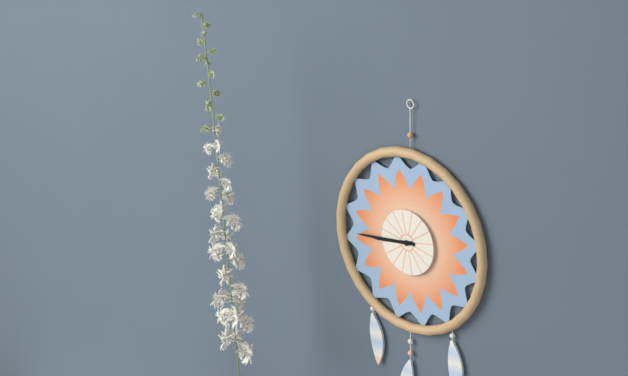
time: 8:44
